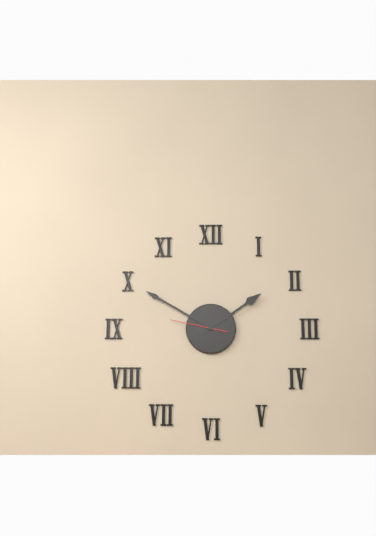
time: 1:50:47
